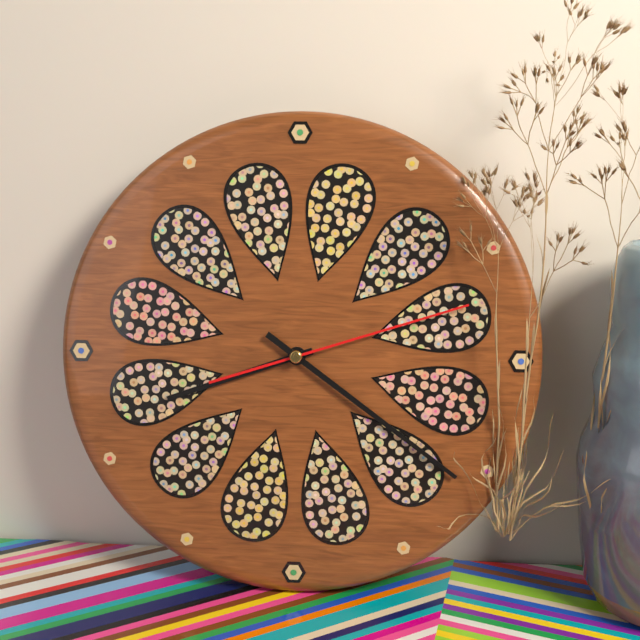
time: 8:21:12
